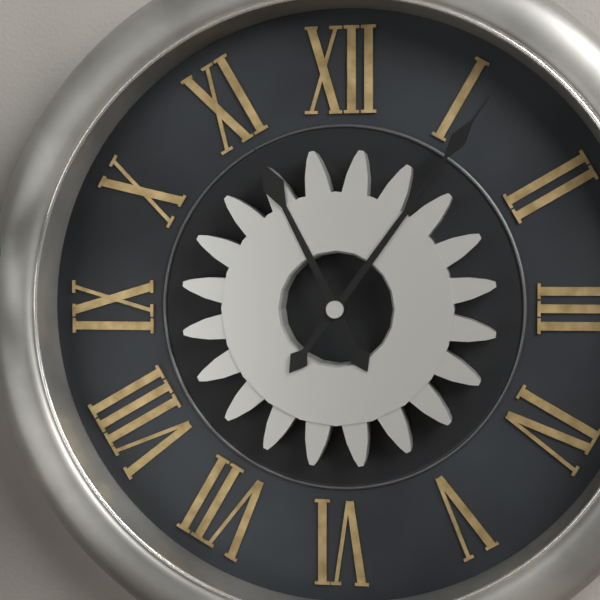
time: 11:06
